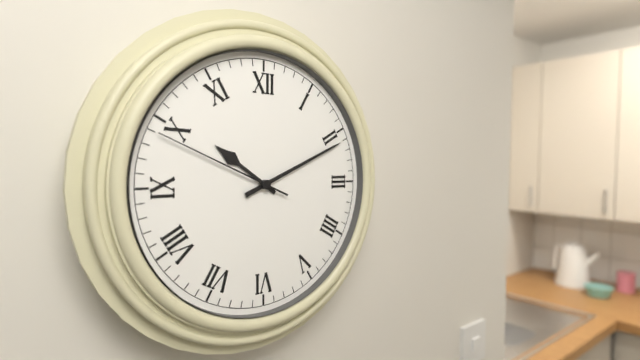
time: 10:11:49
